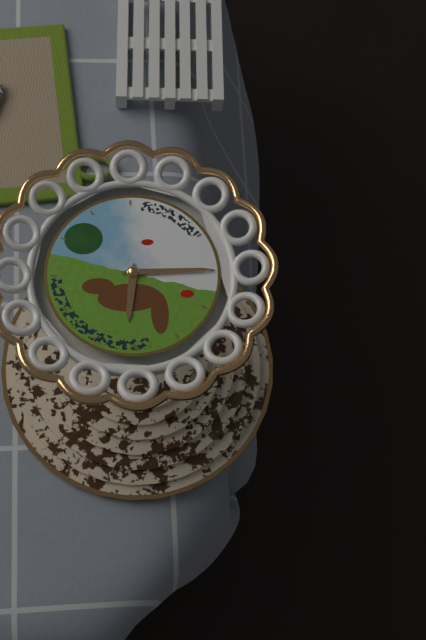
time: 6:15
